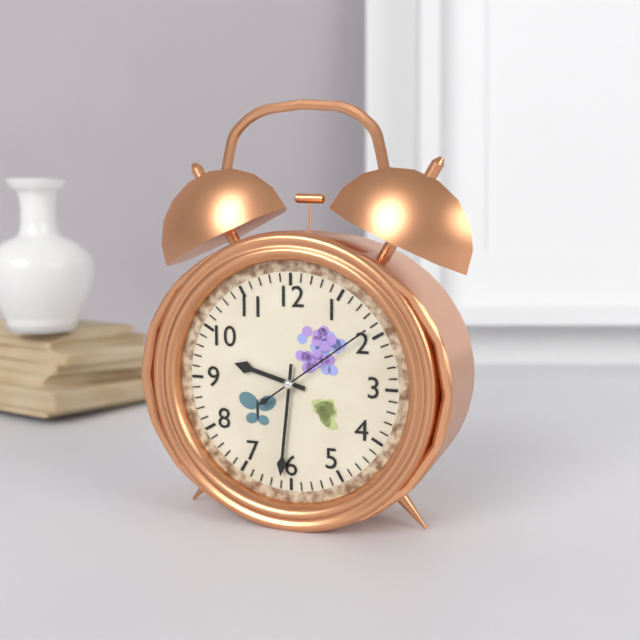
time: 9:31:09
